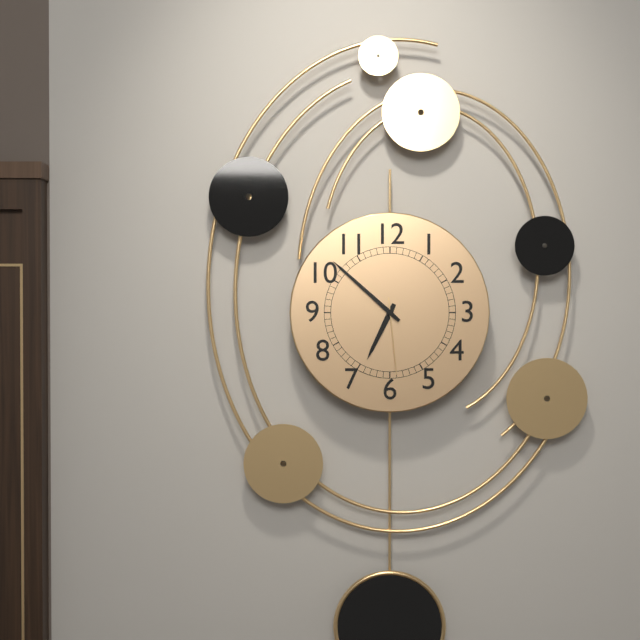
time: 6:52:29
